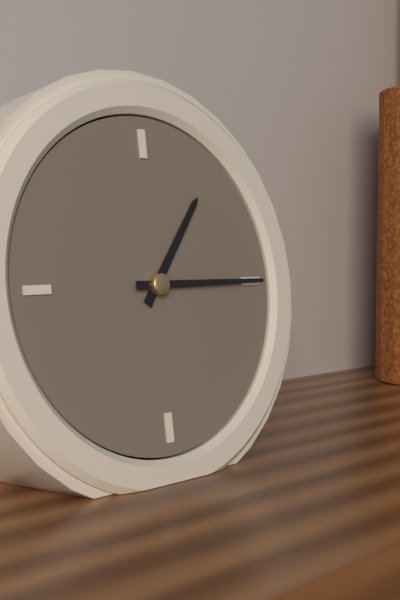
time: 1:15
